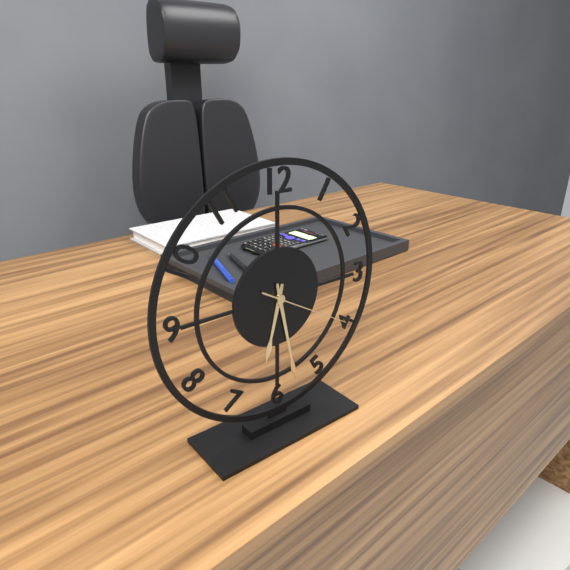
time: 6:28:20
